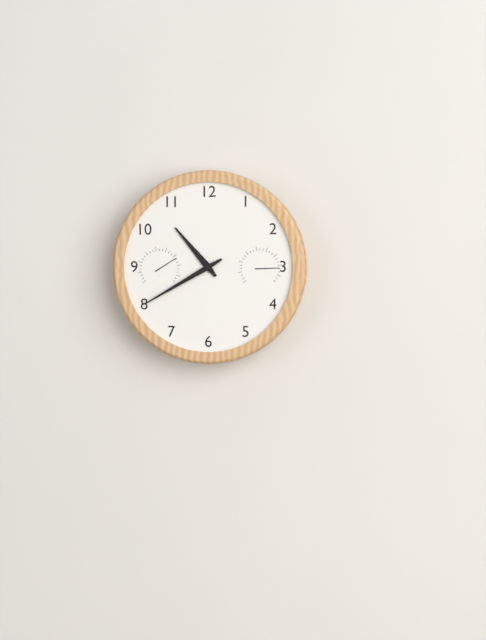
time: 10:40
